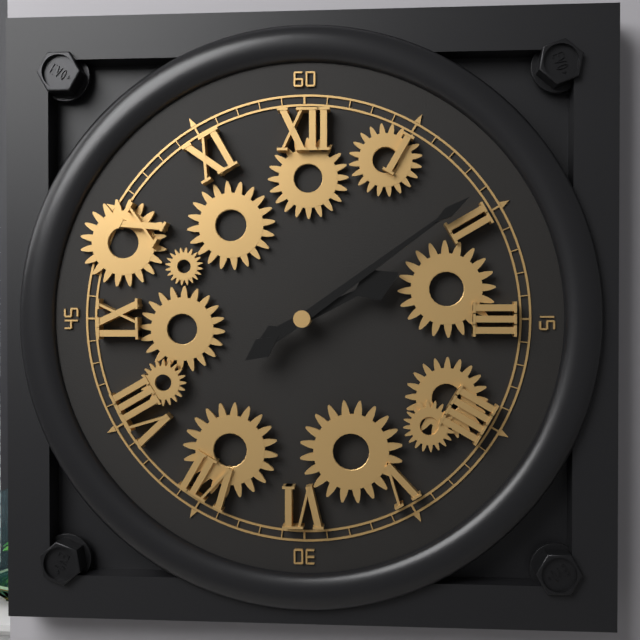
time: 2:09
